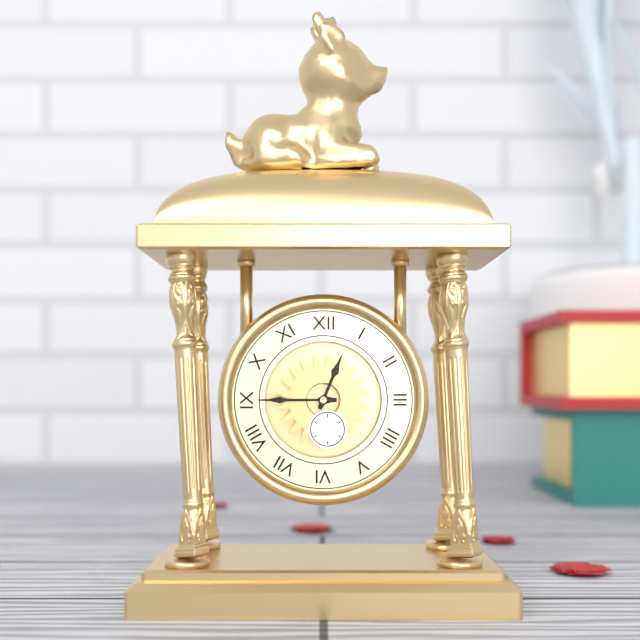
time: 12:45
